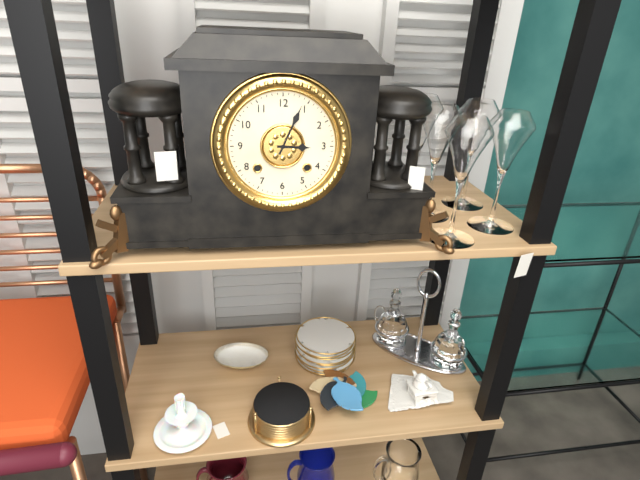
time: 3:04
